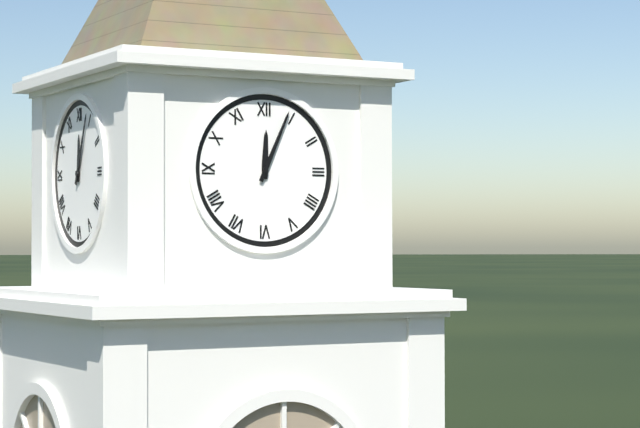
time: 12:04
